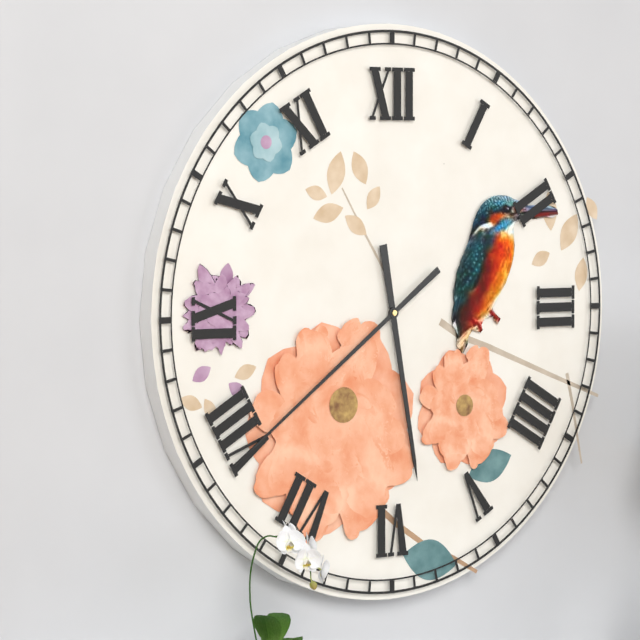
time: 5:39
